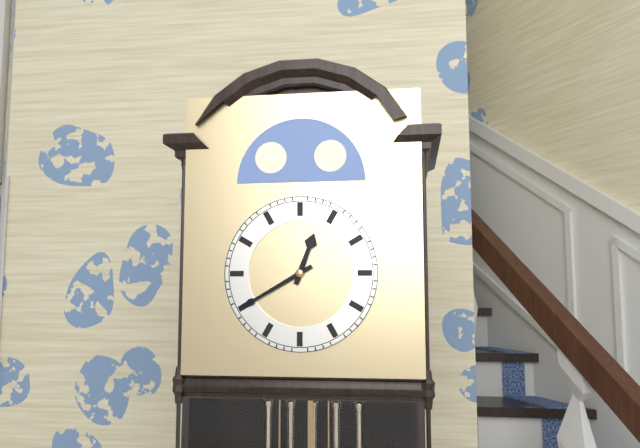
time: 12:40
